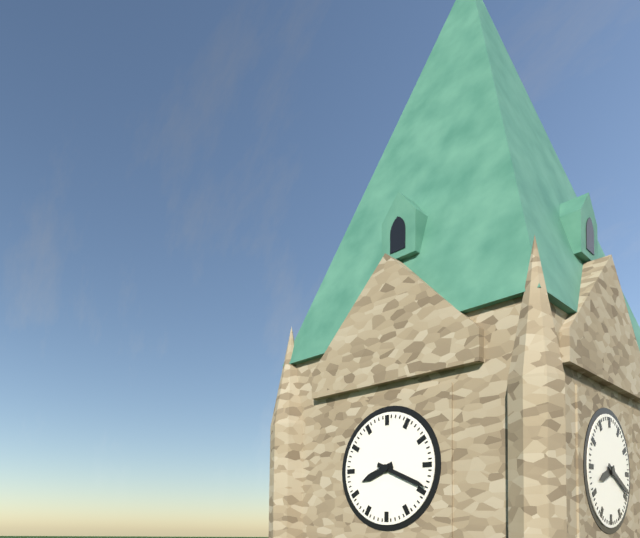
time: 8:19
